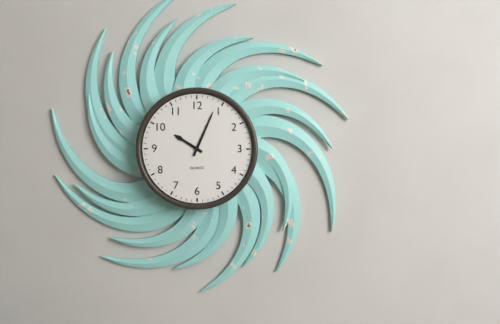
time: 10:04
